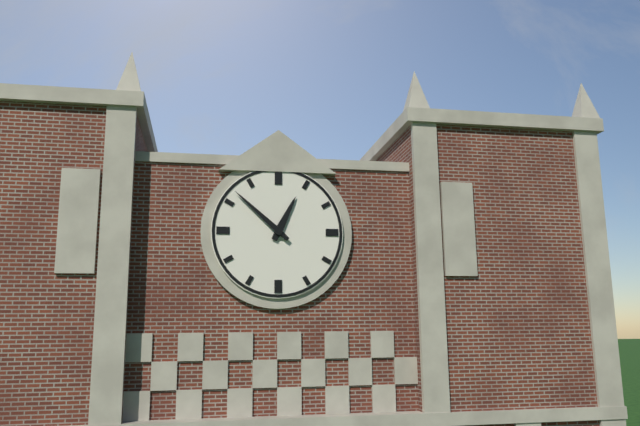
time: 12:52
